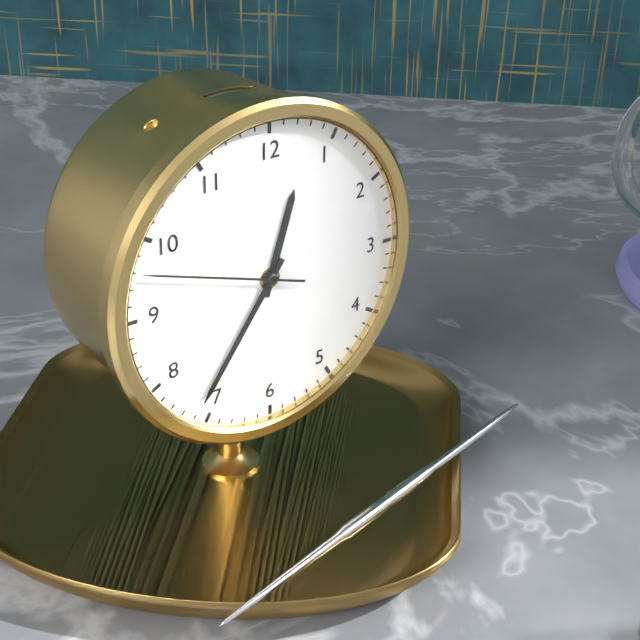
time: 12:36:48
